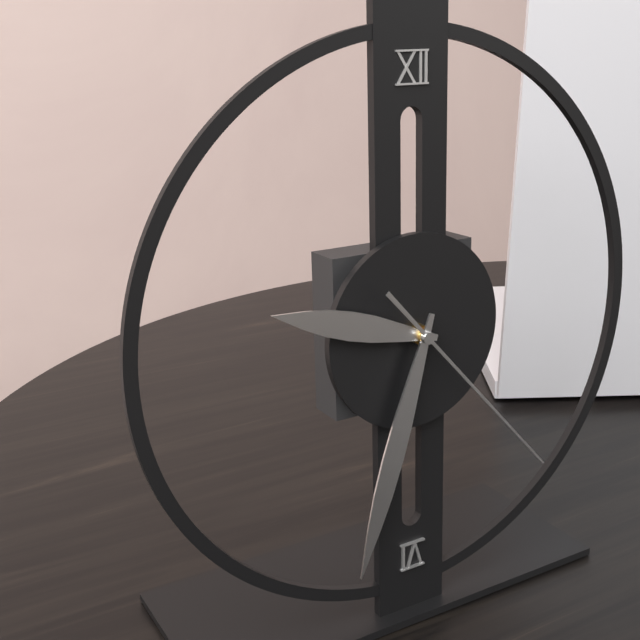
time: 9:33:23
